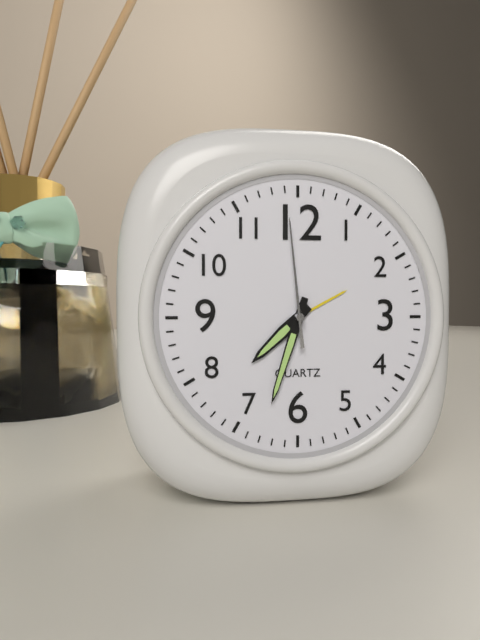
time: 7:33:59
